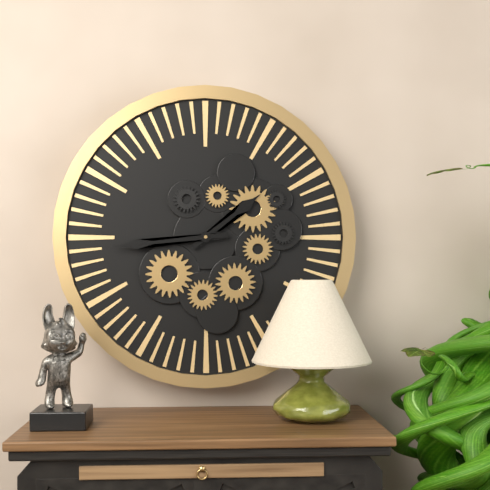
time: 1:44
